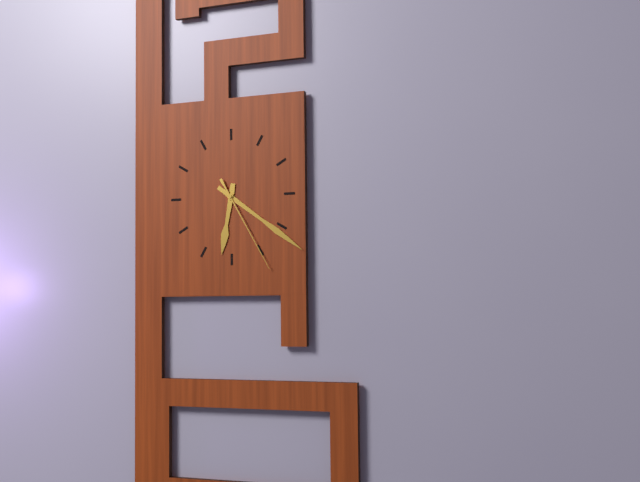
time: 6:21:25
